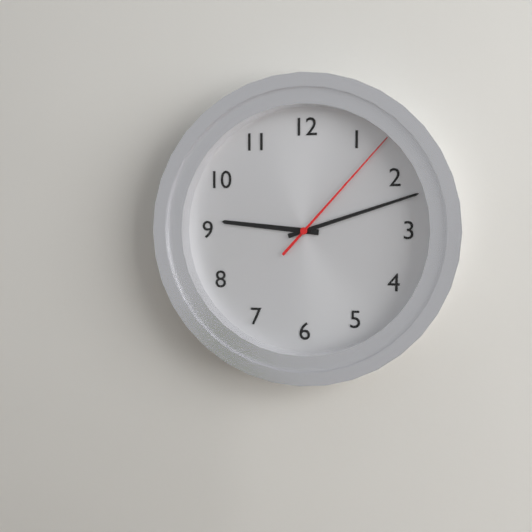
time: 9:12:07
